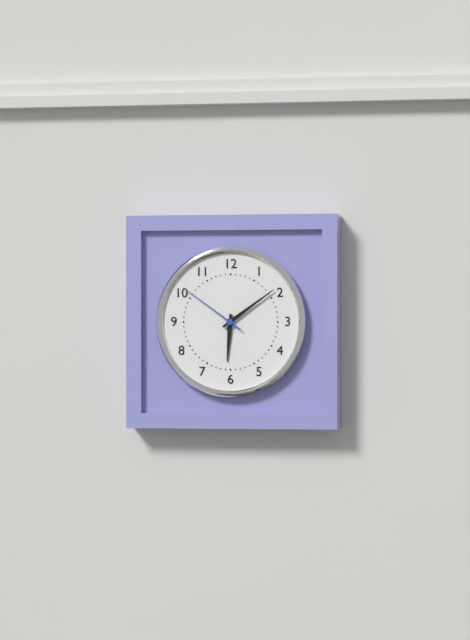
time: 6:09:51
